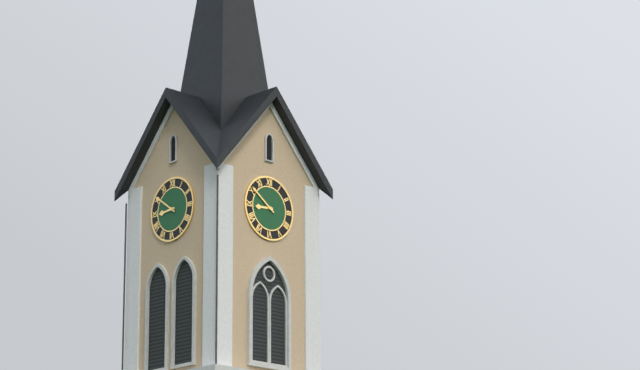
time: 8:51
